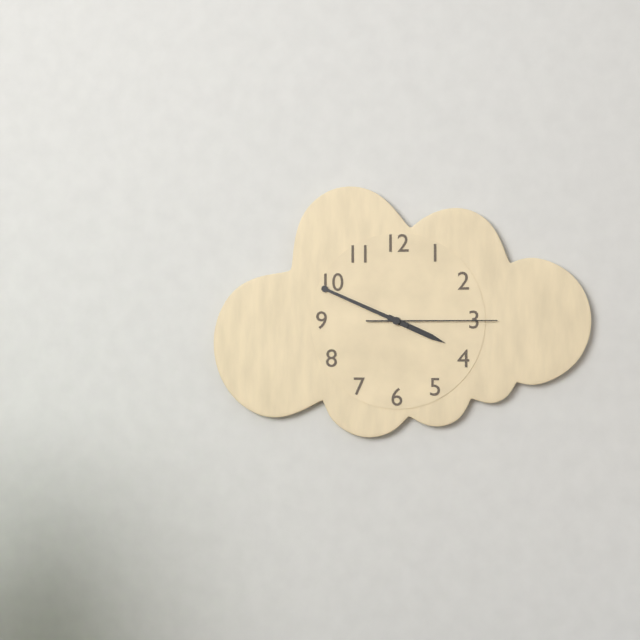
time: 3:49:15
